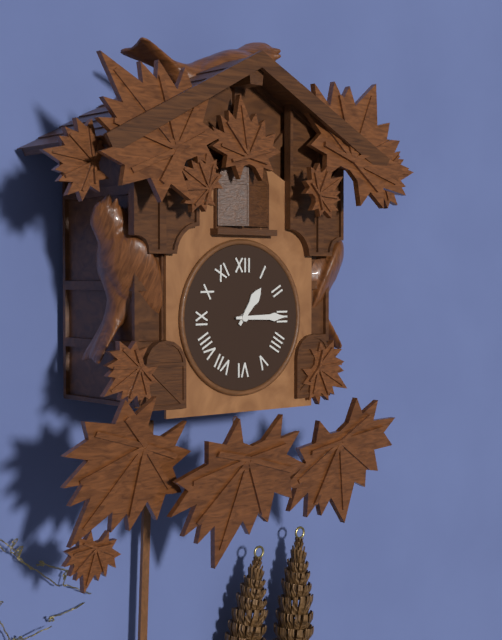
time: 1:15
